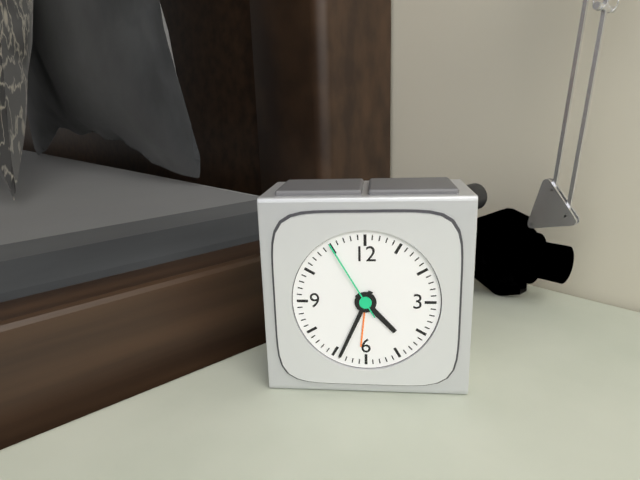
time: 4:34:55
